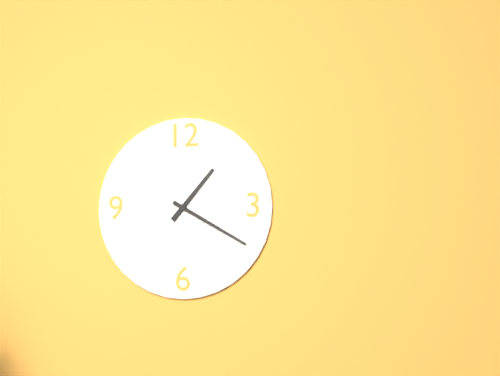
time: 1:20
